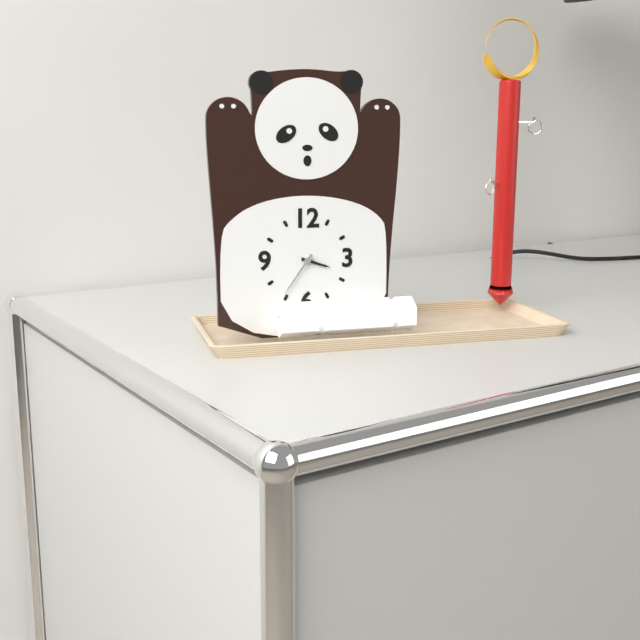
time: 3:36
